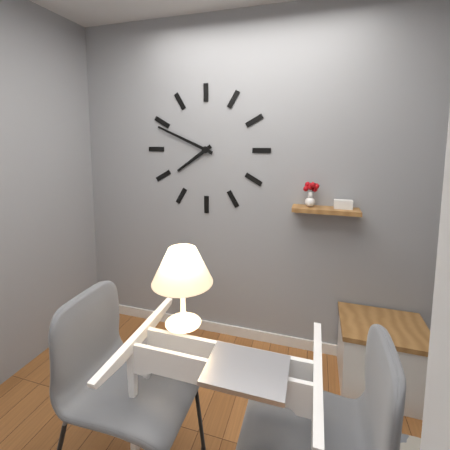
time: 7:49
